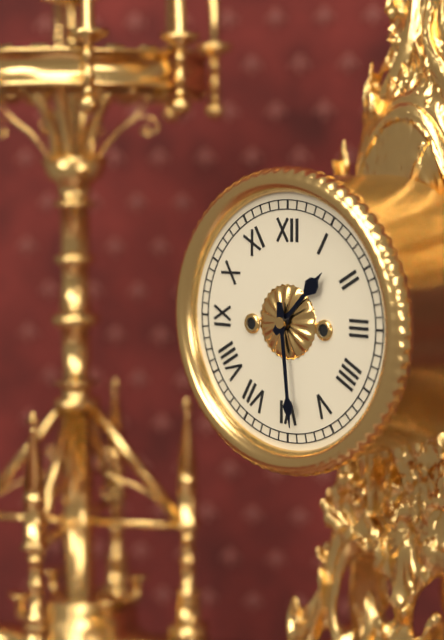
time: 1:29
